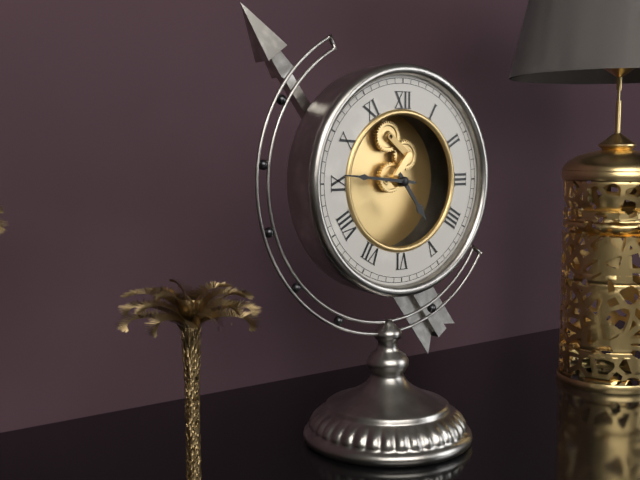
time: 4:46
